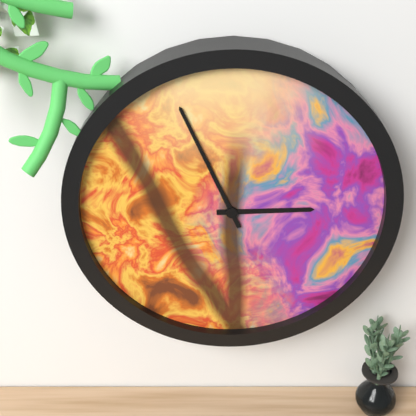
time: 2:56
